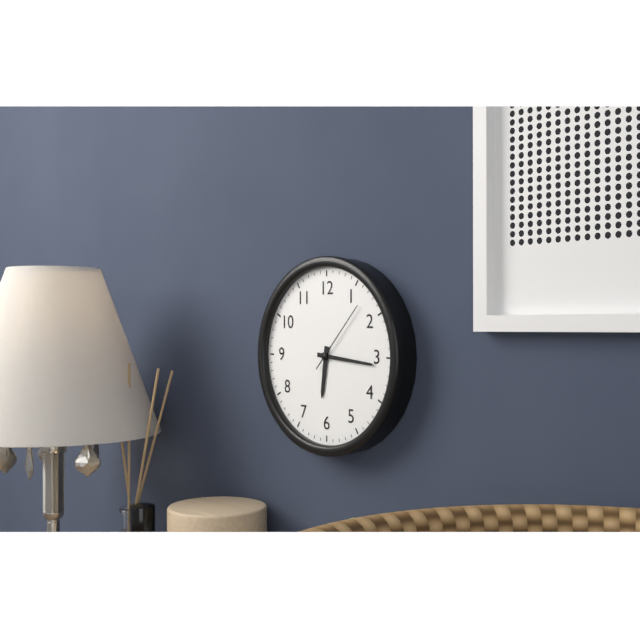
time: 6:16:07
